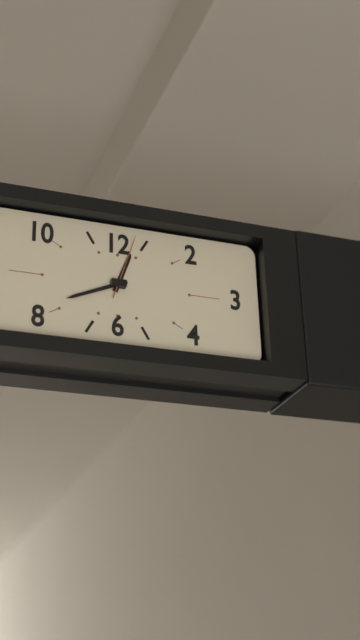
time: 12:41:03
